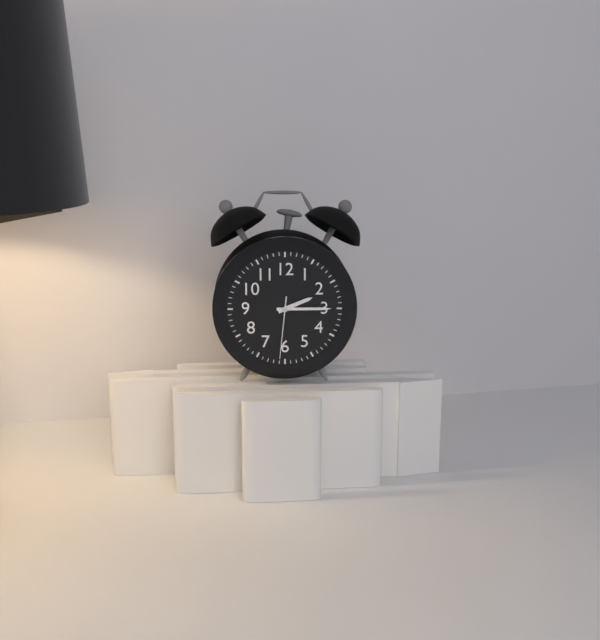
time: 2:15:31
